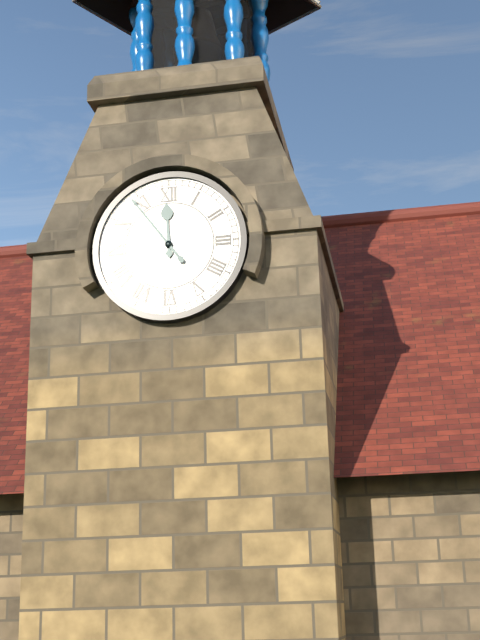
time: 11:54
